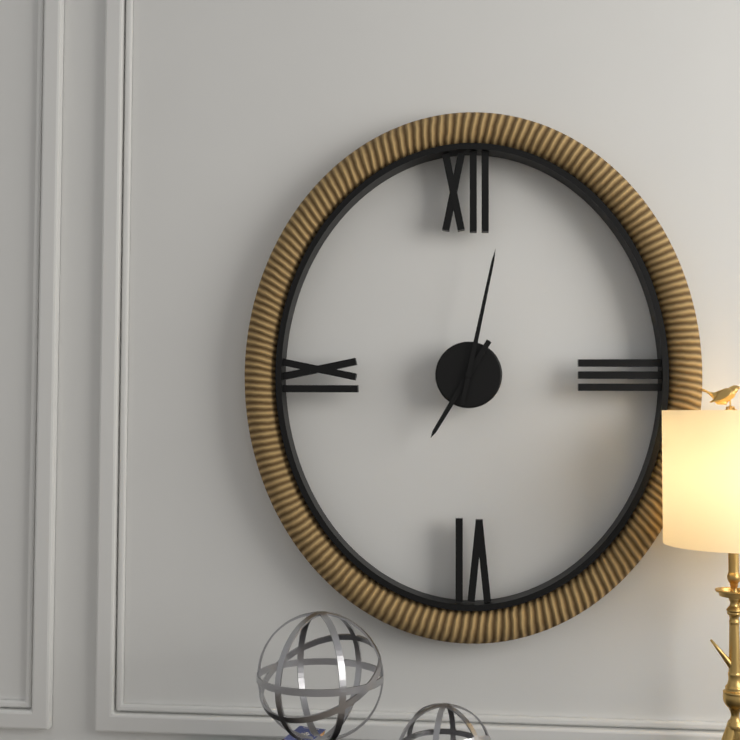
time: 7:02
